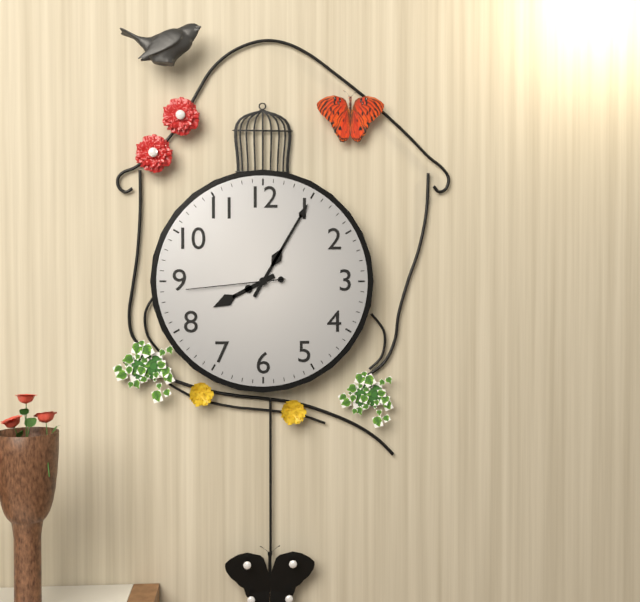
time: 8:05:44
